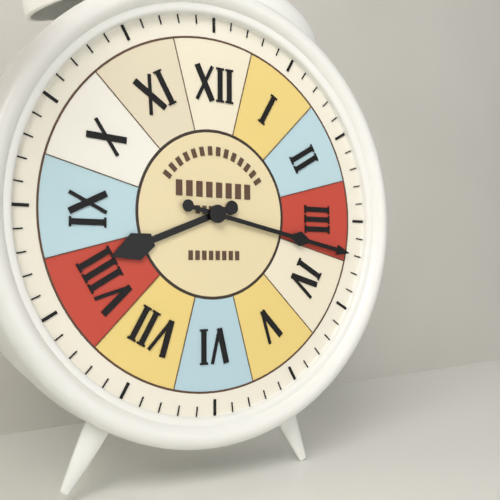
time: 8:17
